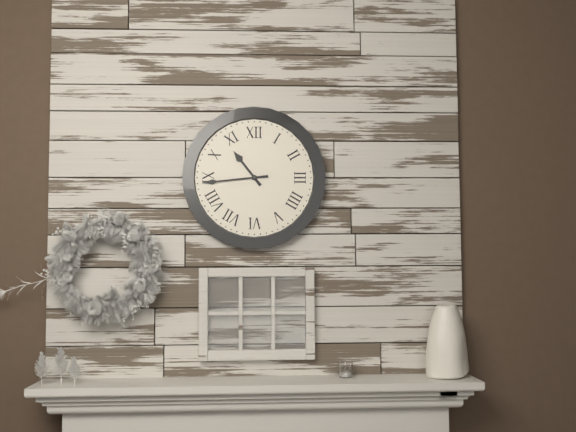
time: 10:44
